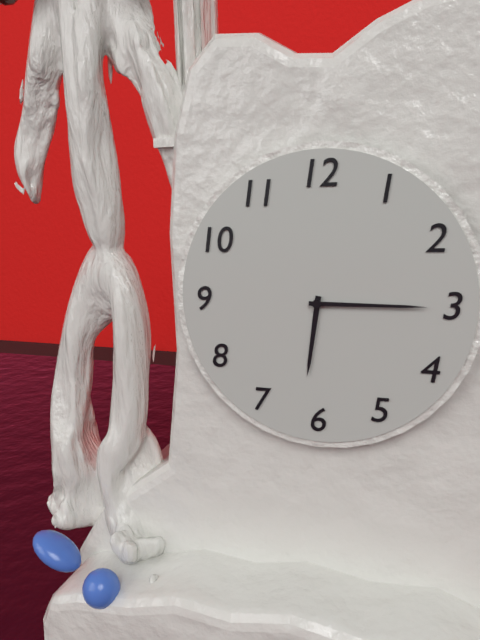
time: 6:15
